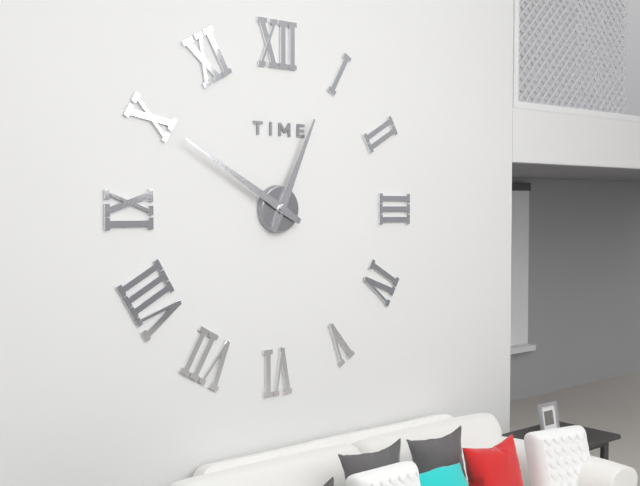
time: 12:50
